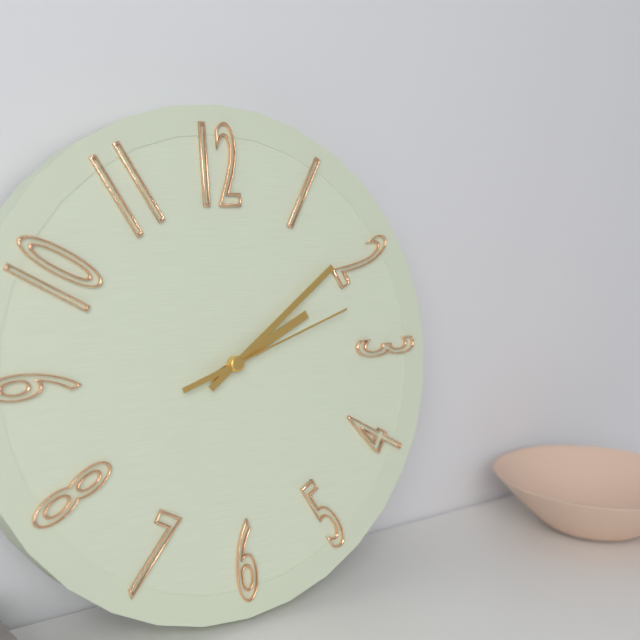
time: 2:09:12
